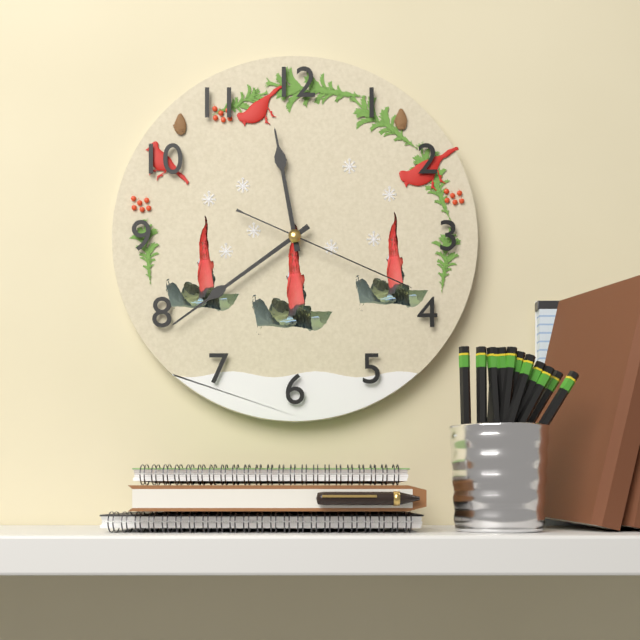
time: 11:39:19
